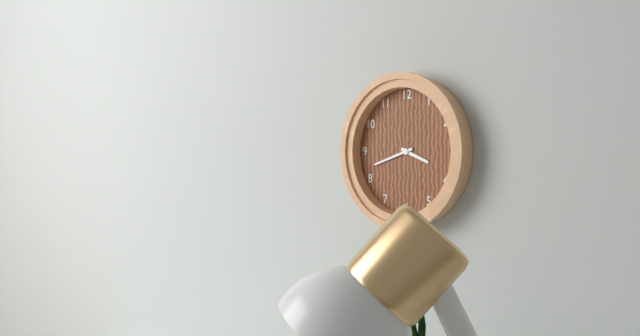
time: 3:42
